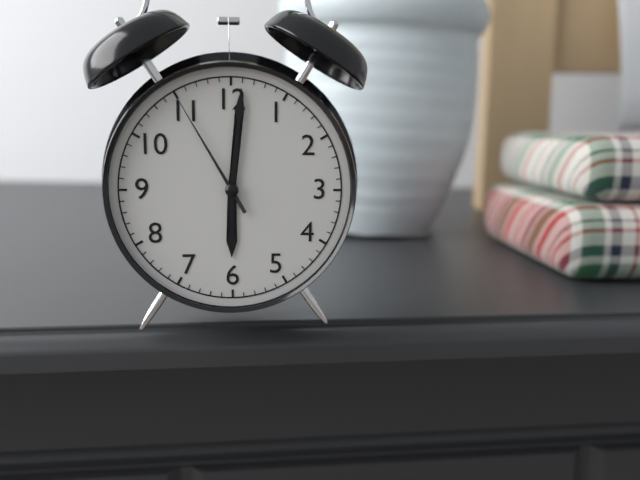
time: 6:01:55
